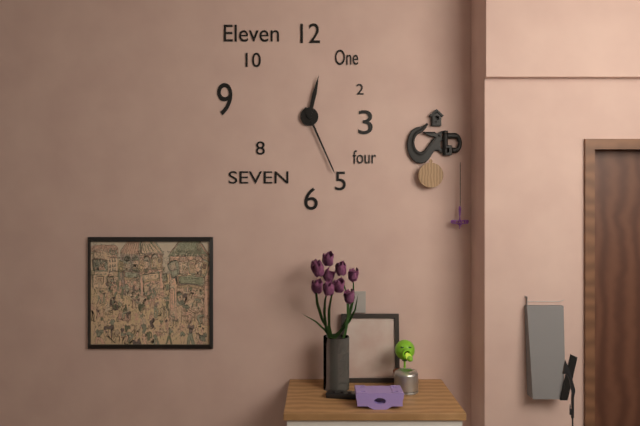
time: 12:26
